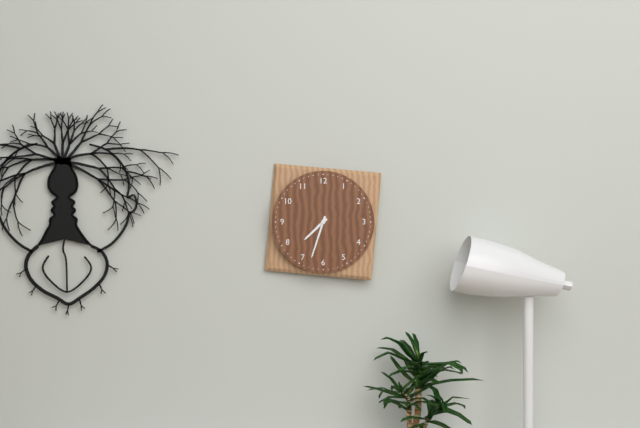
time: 7:33
